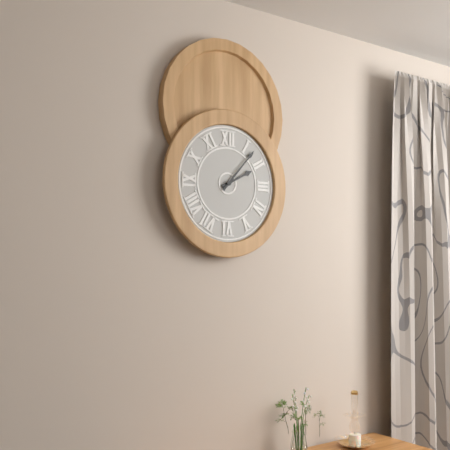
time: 2:07
